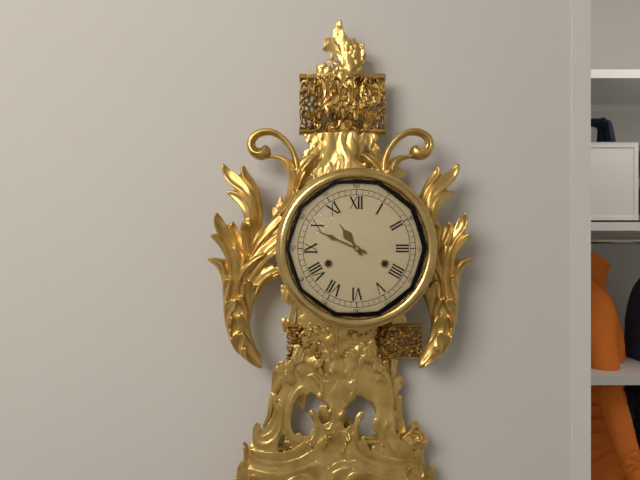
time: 10:49
